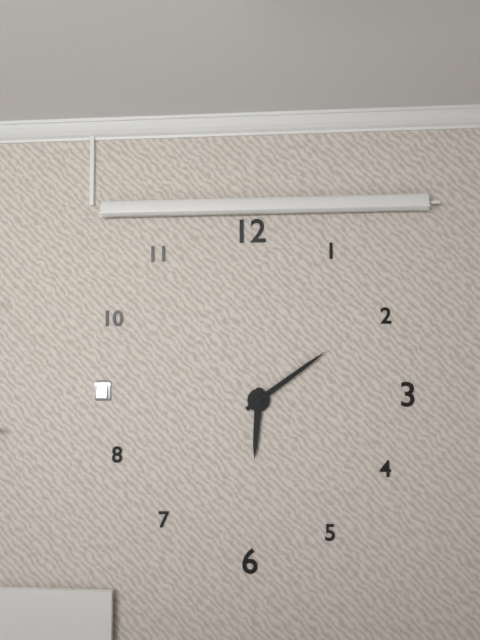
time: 6:09
